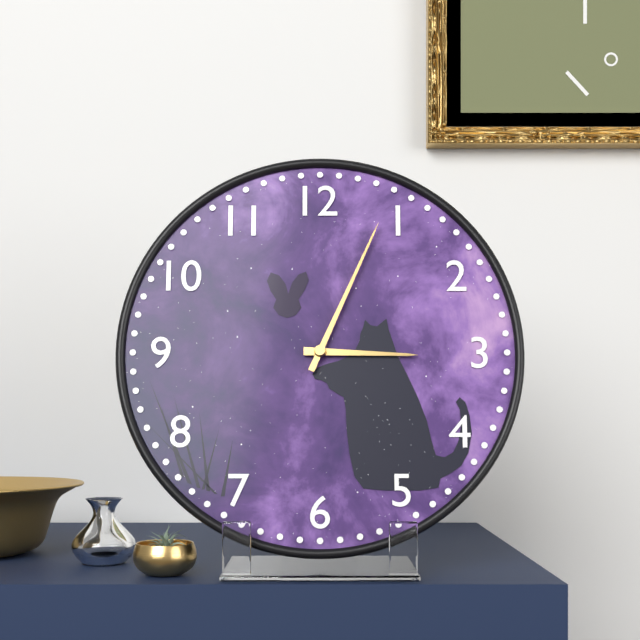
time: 3:04
